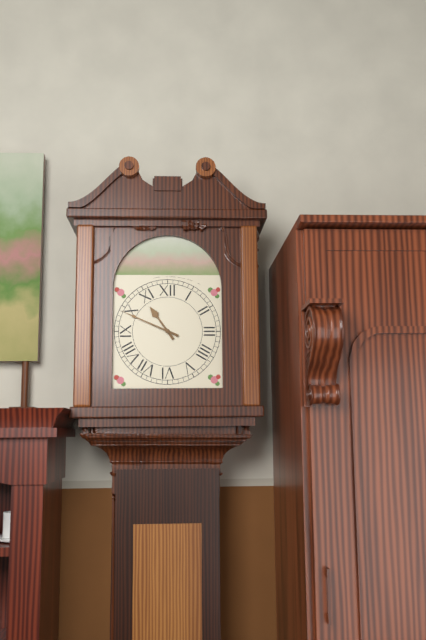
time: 10:49
